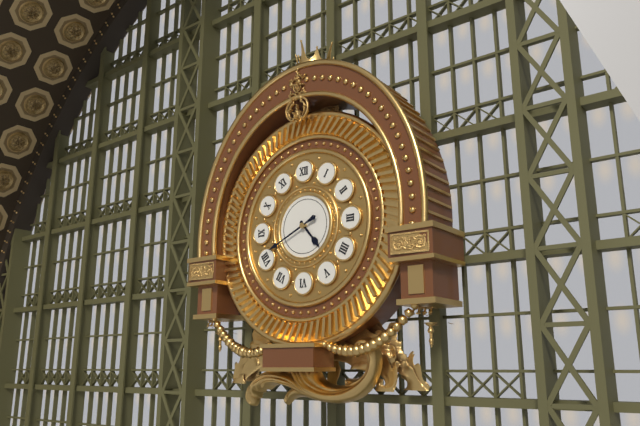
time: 4:41
